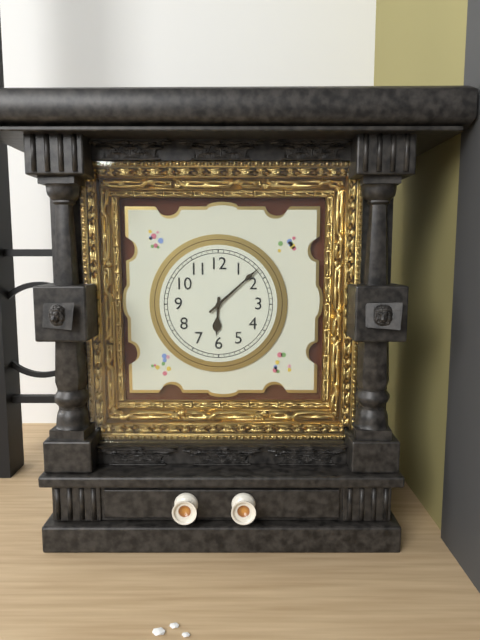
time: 6:08
